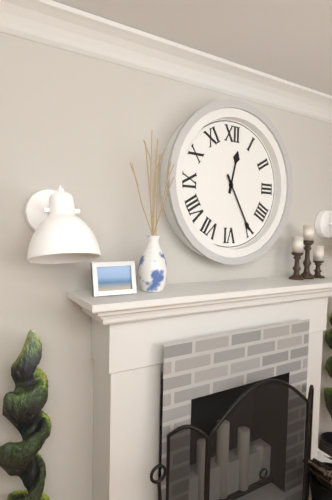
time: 12:25
